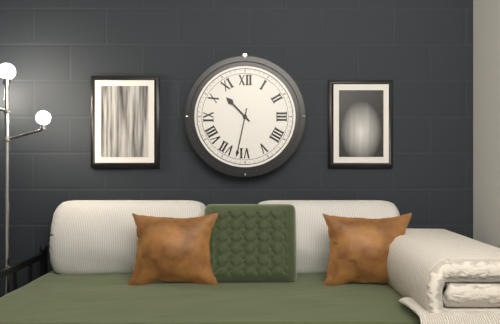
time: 10:32
